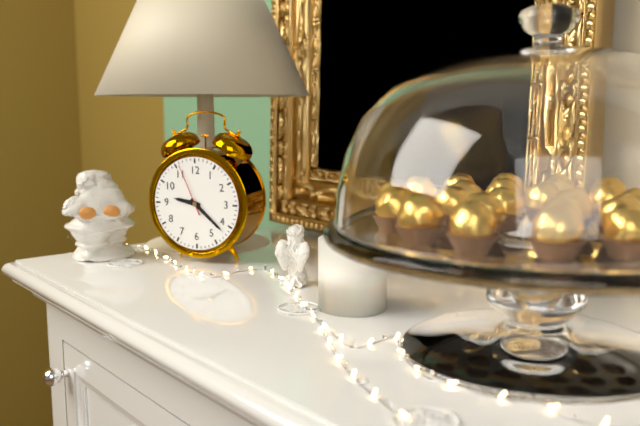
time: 9:22:56
